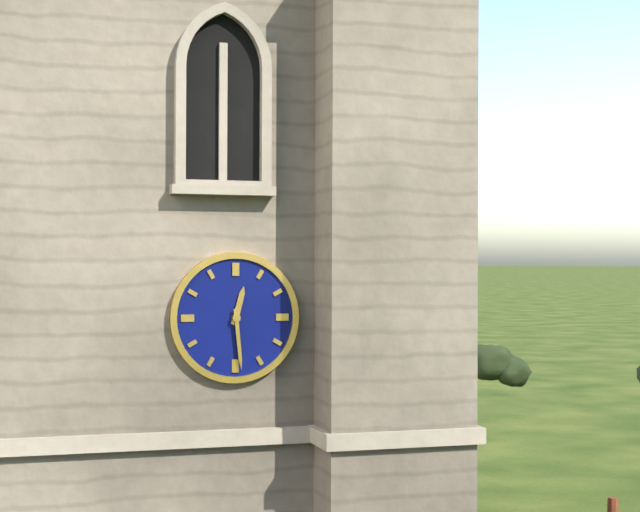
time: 12:29
